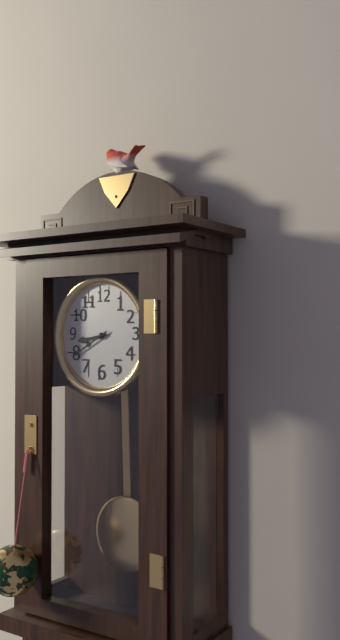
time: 8:40
